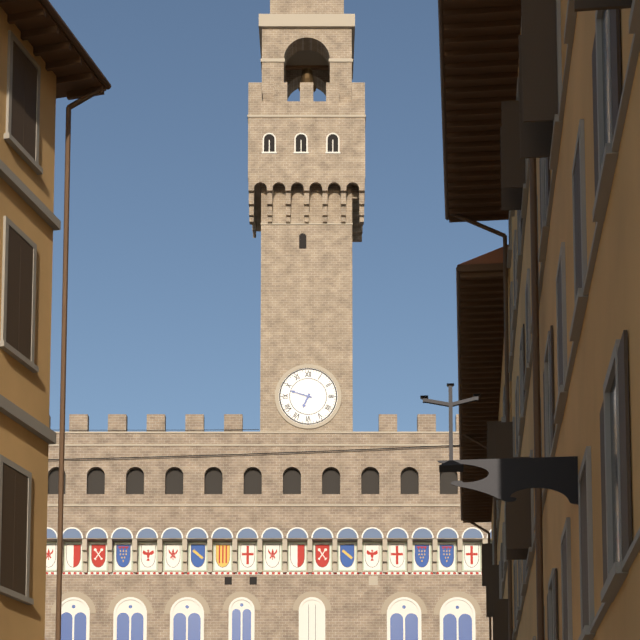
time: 6:48
